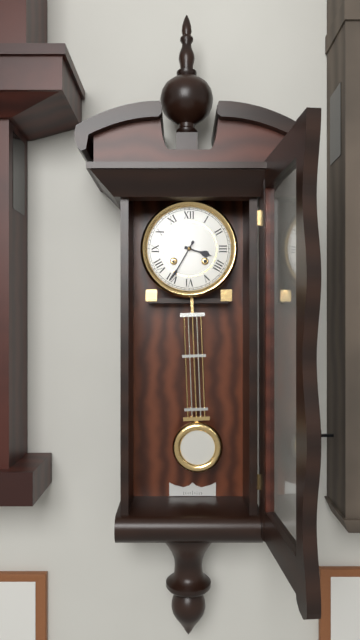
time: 3:35
